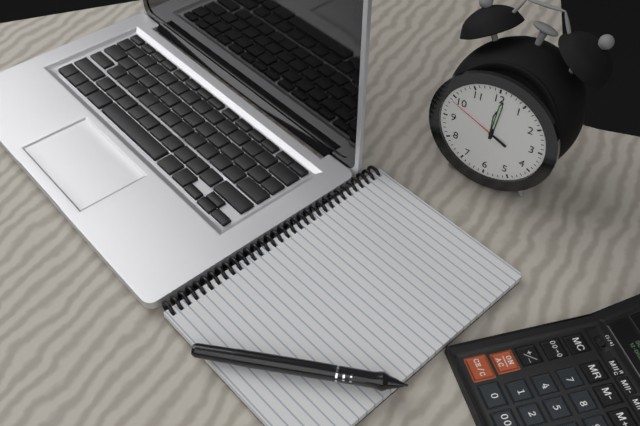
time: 12:01:49
